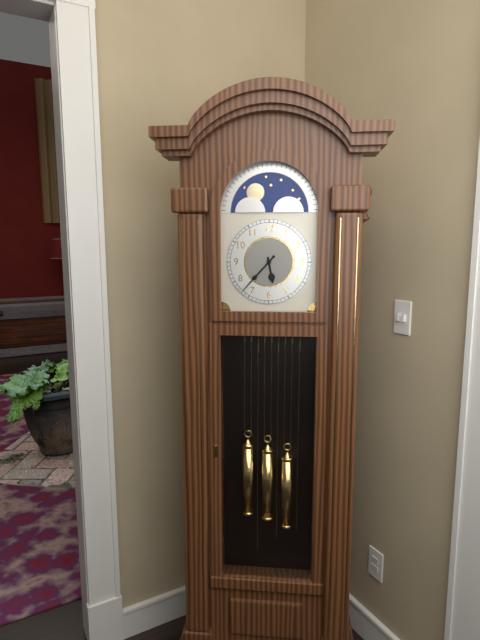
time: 5:37
